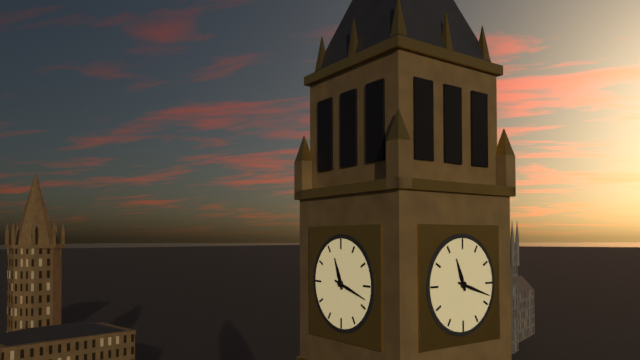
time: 11:18
